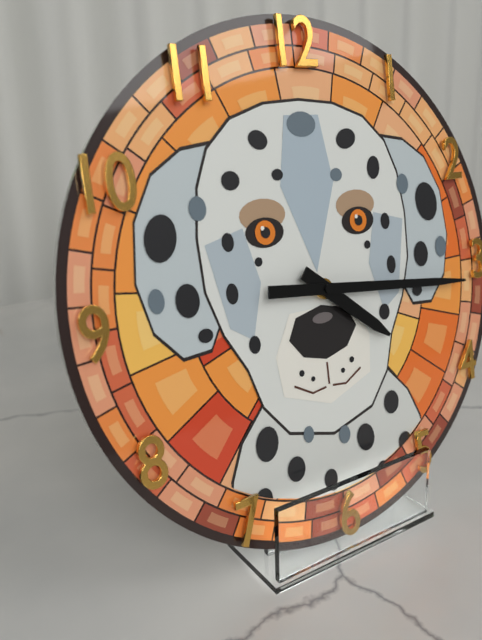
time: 4:16
